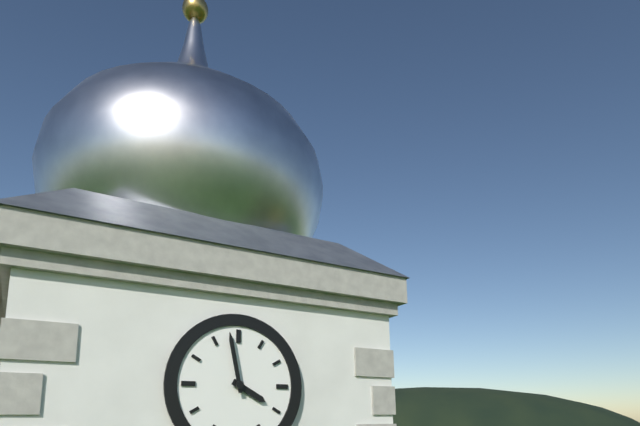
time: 3:58
